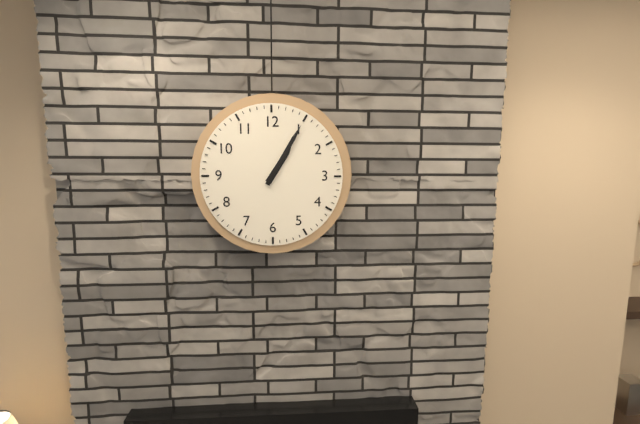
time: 1:05
